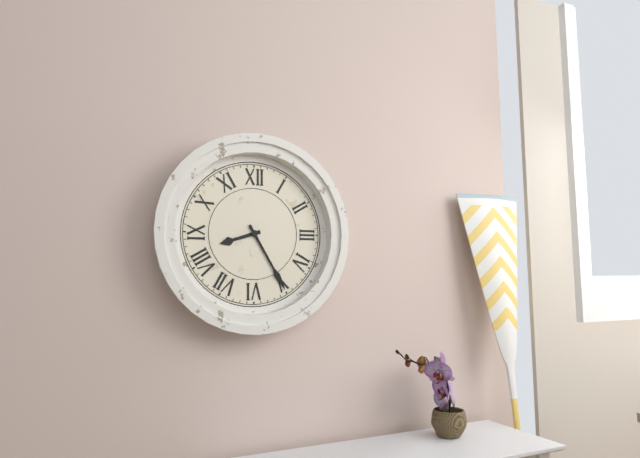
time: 8:25
